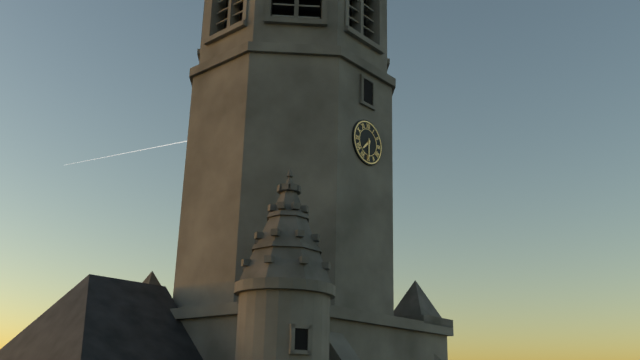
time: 7:30
